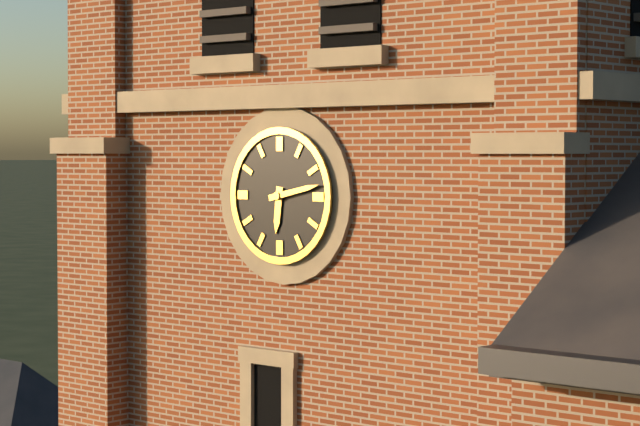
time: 6:13
